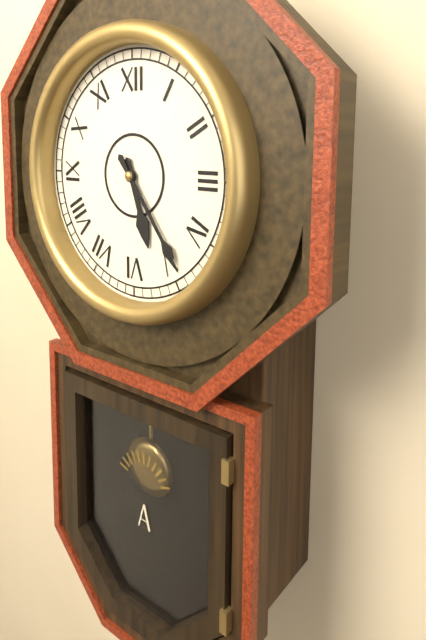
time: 5:24
